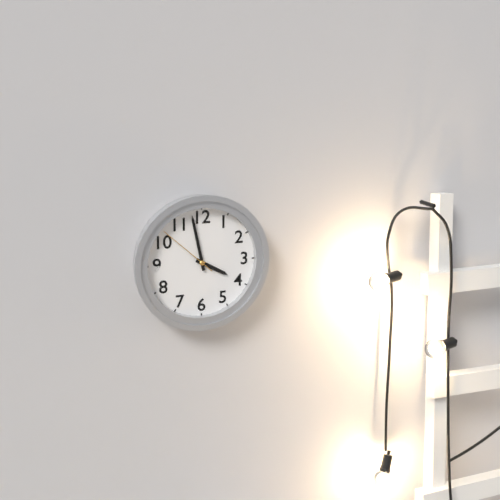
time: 3:58:52
